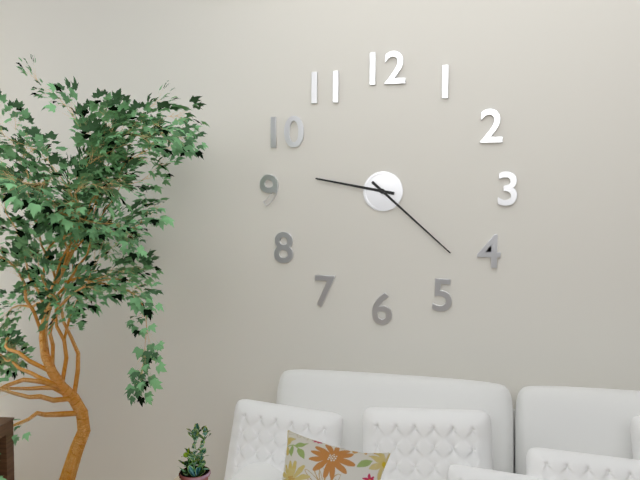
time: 9:22
